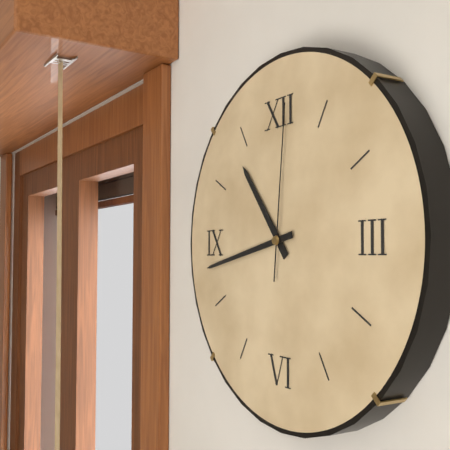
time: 10:43:01
